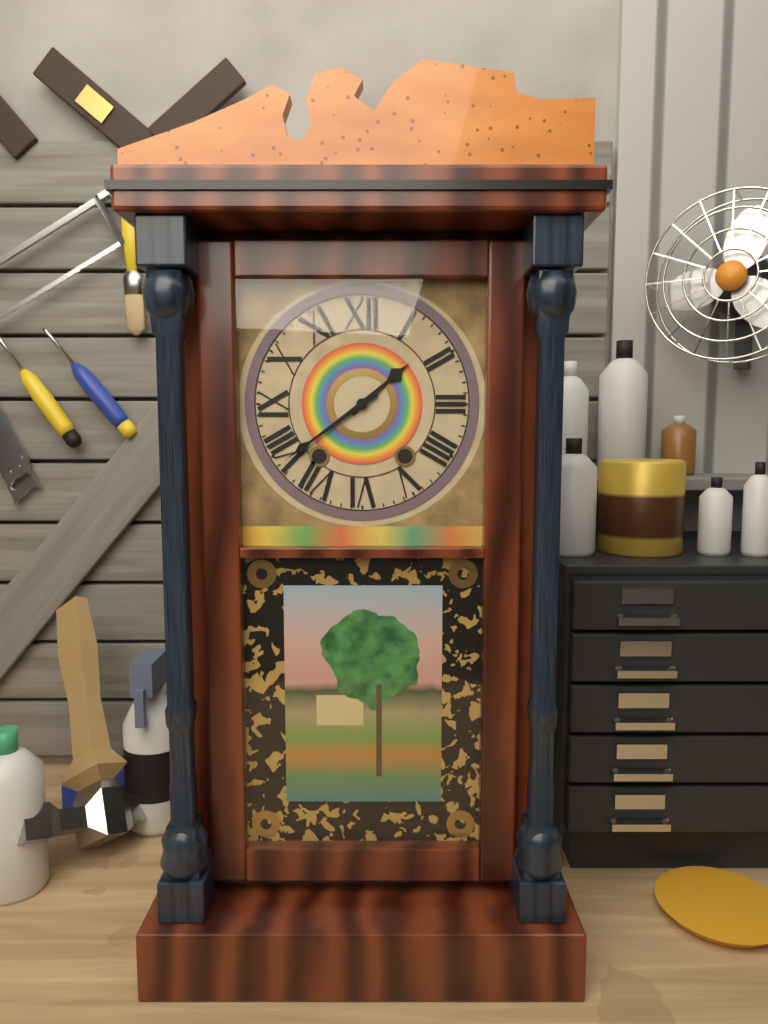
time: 1:39
